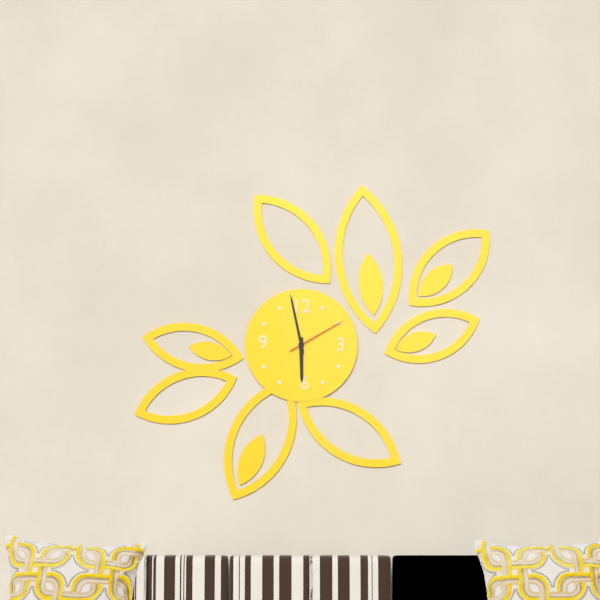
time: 5:58:10
